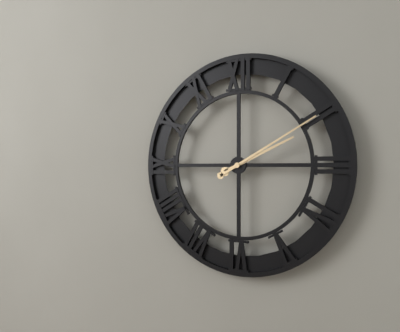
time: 2:10
